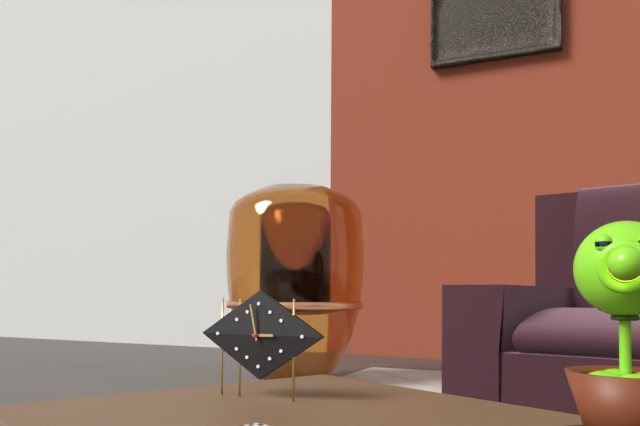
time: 2:58
